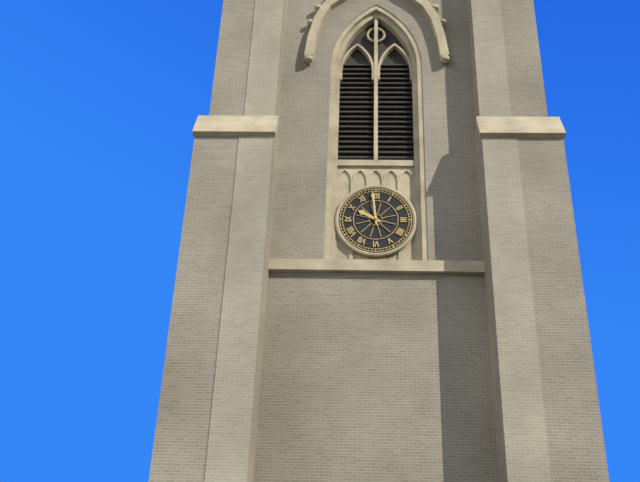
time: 9:59
